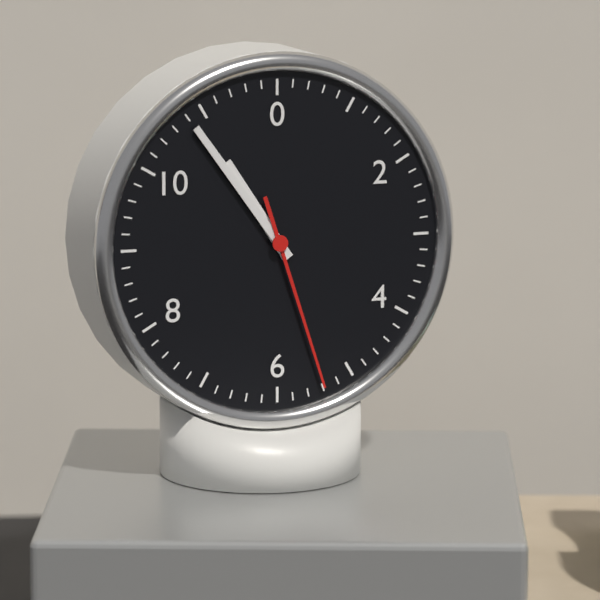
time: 10:54:27
